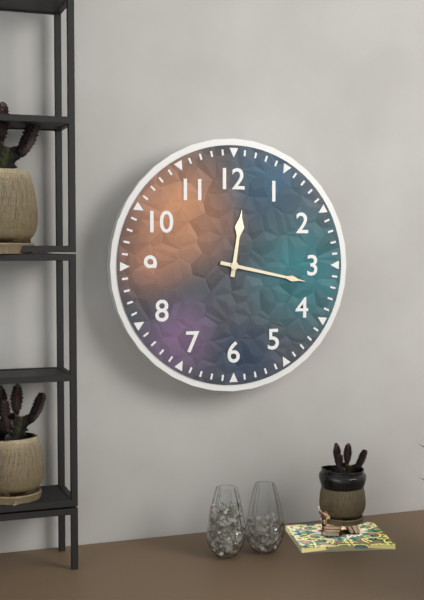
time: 12:17
